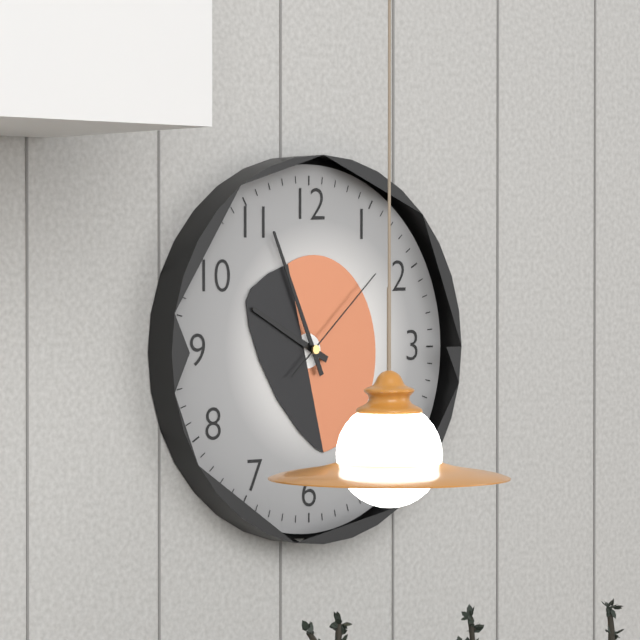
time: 9:56:08
